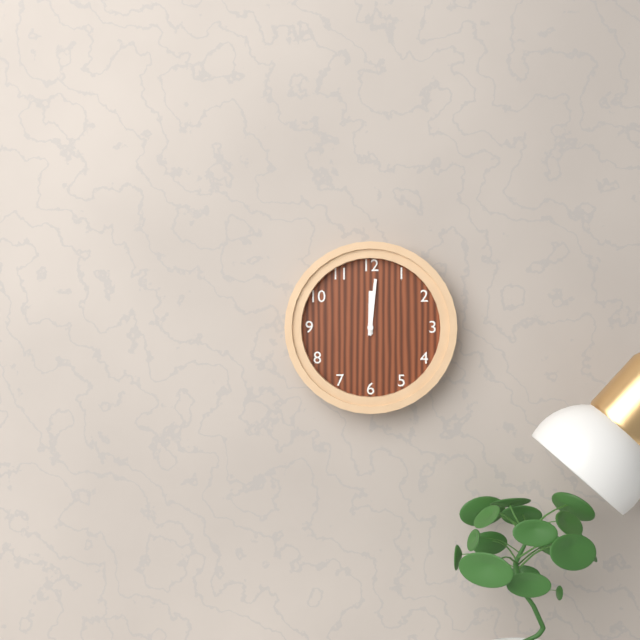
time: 12:01
